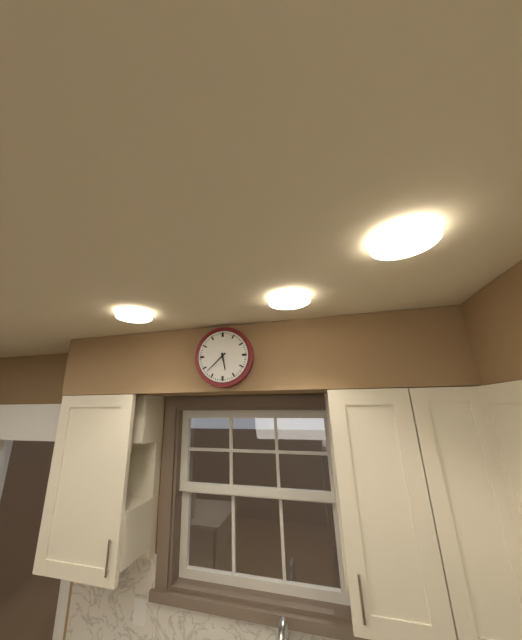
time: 5:38
